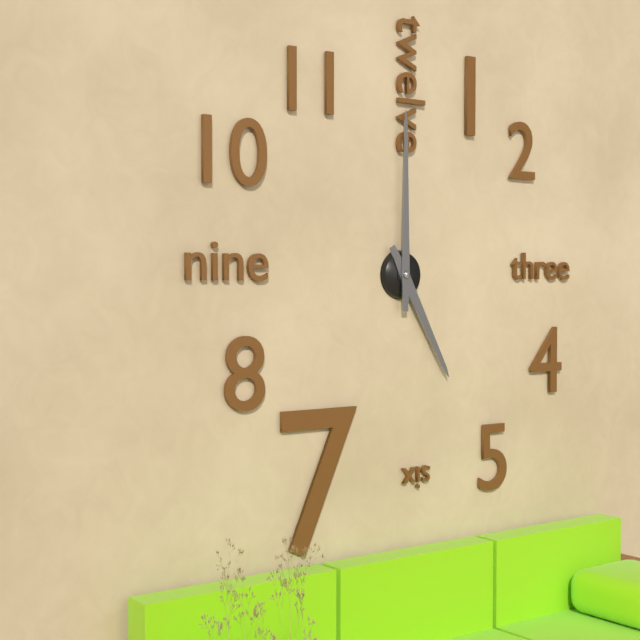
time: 5:00
